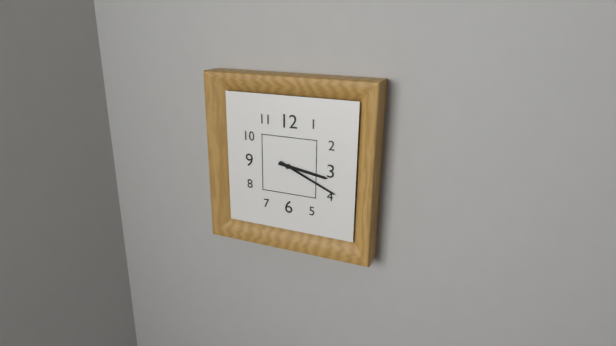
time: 3:19
